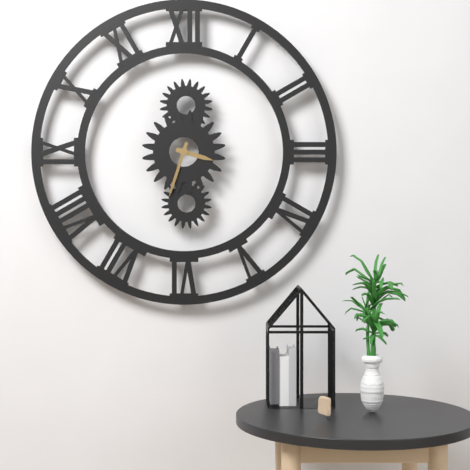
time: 3:33
